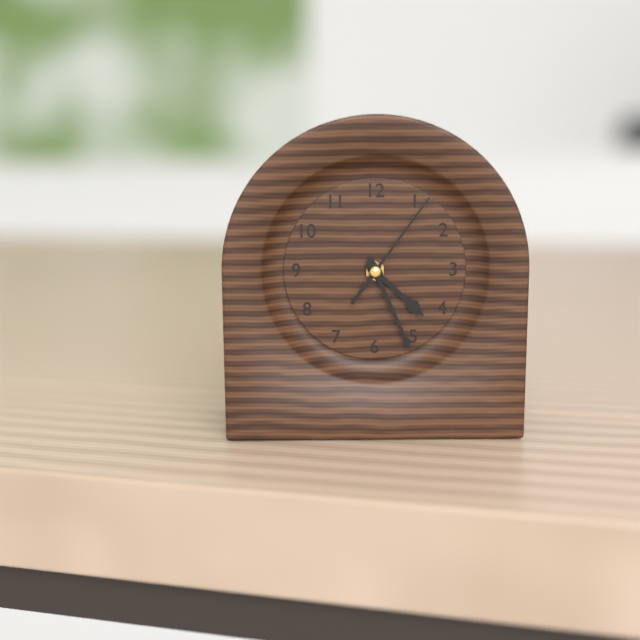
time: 4:26:06
